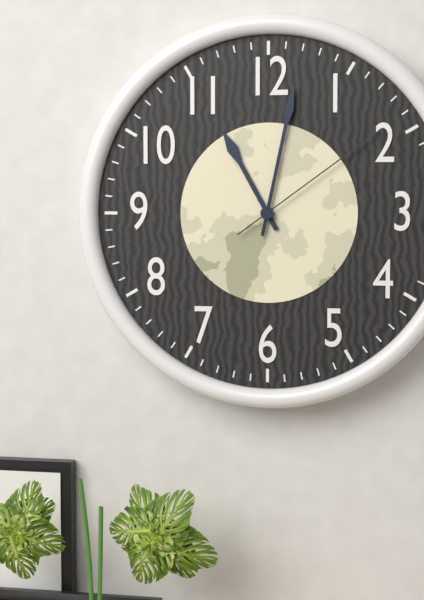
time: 11:02:09
